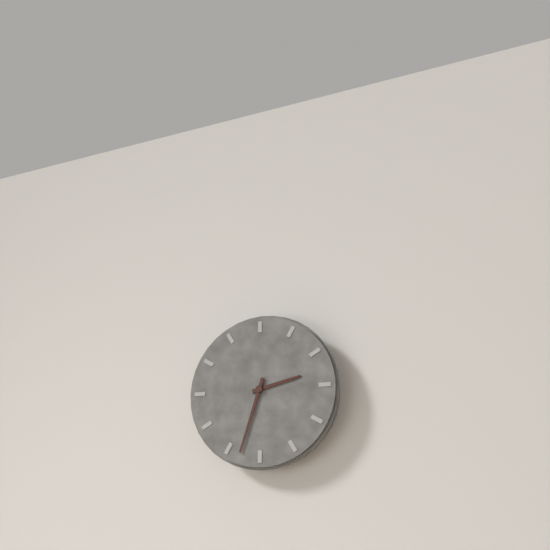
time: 2:33
